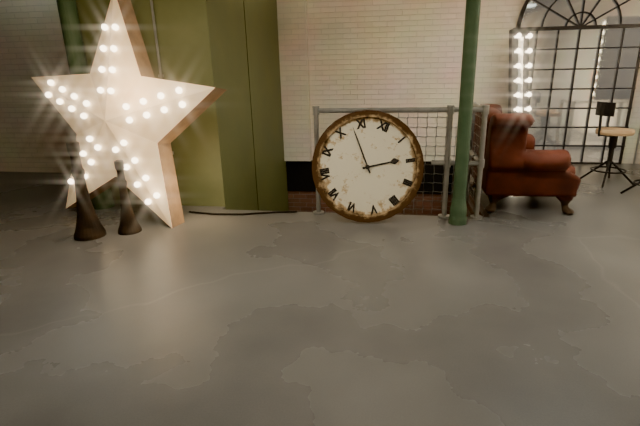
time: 1:53
